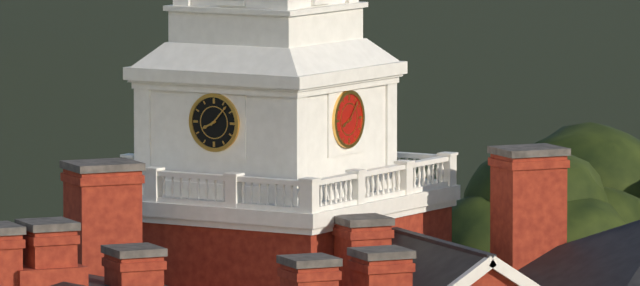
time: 8:07
